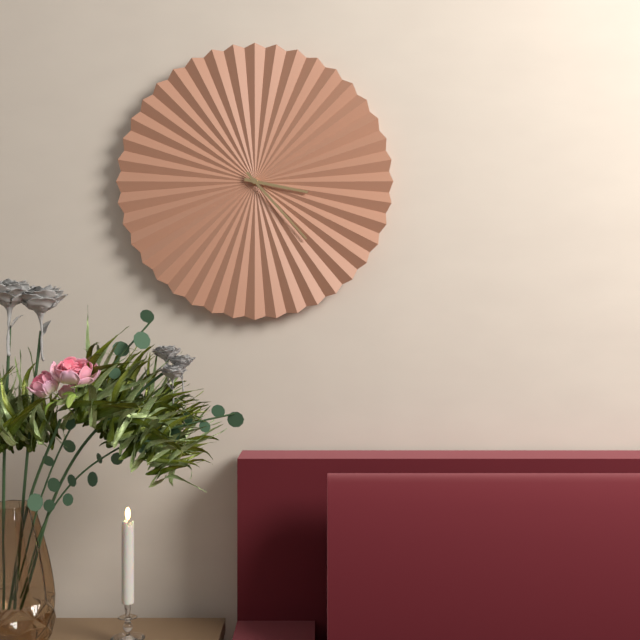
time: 3:23
